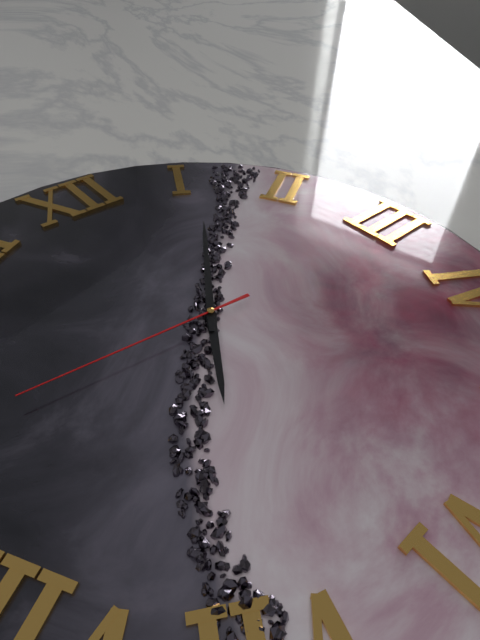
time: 7:06:46
